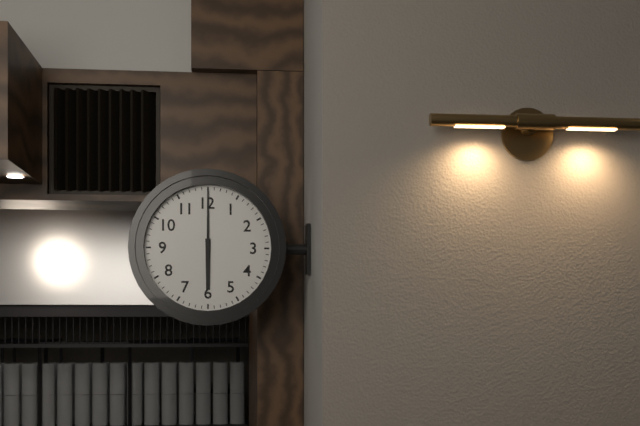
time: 6:00
